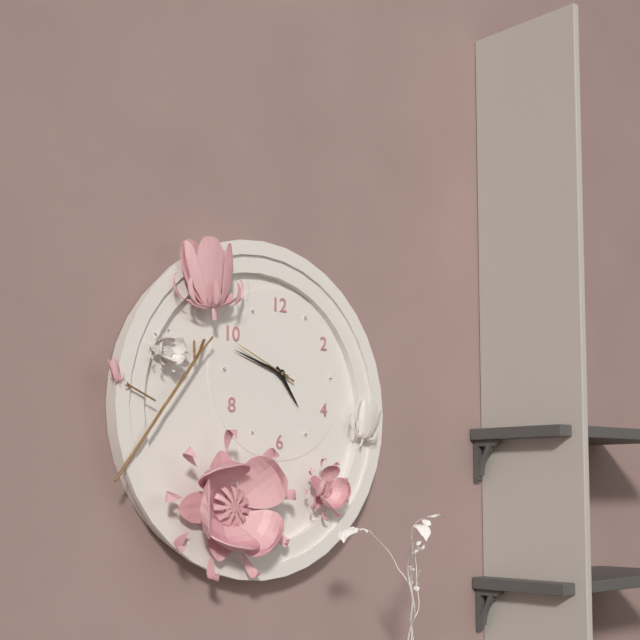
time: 4:48:49
